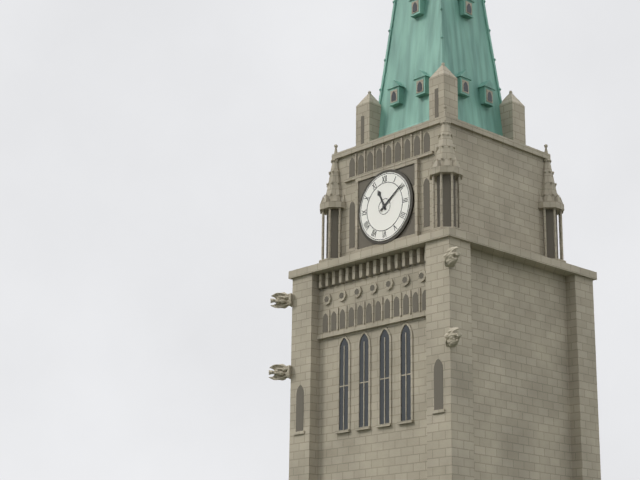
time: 11:09
